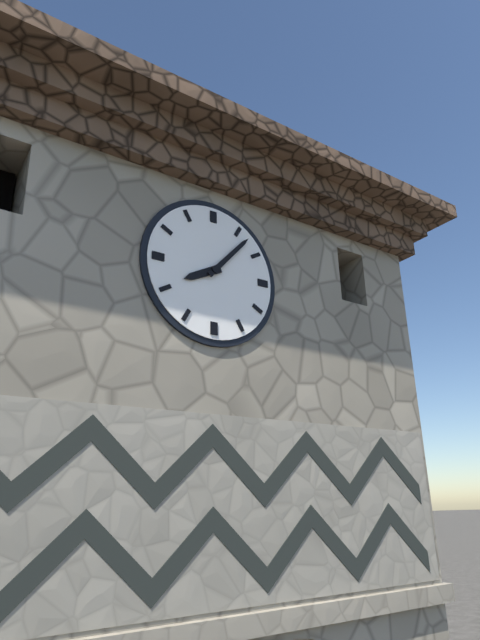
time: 8:07
